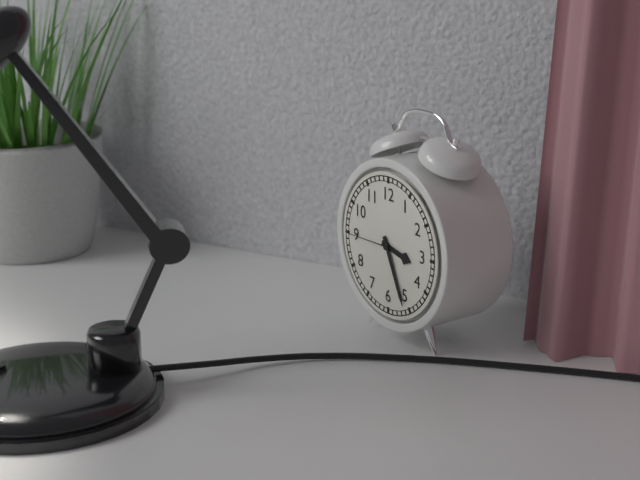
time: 3:26:45
